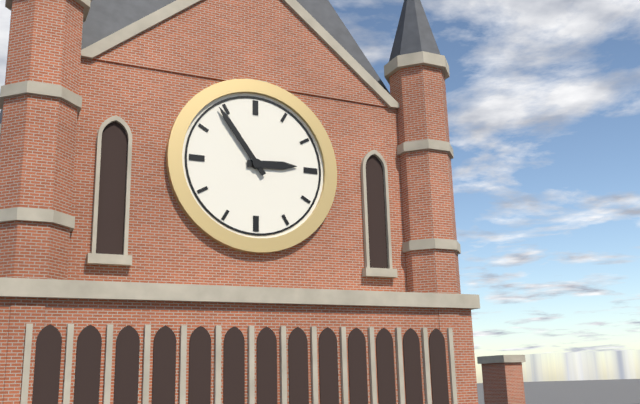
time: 2:54
